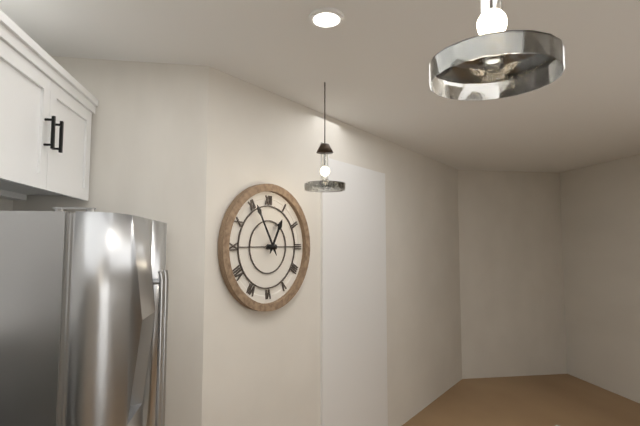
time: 12:55
